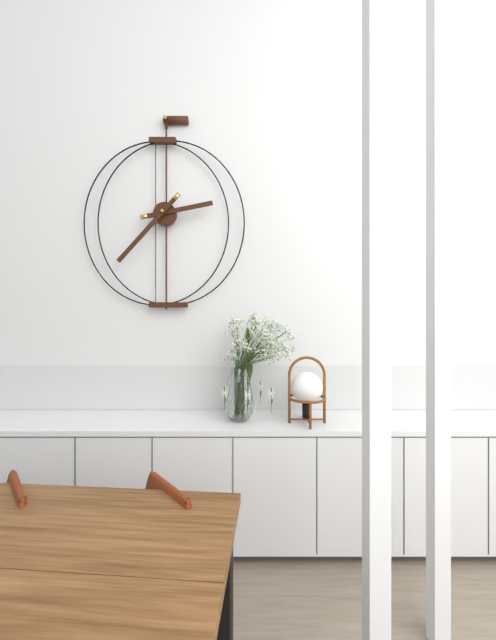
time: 2:37
